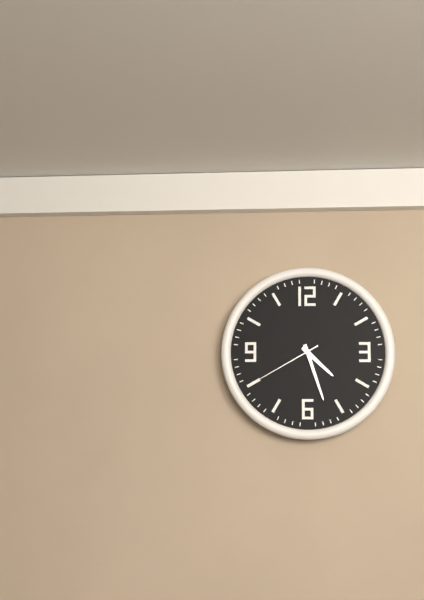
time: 4:27:40
